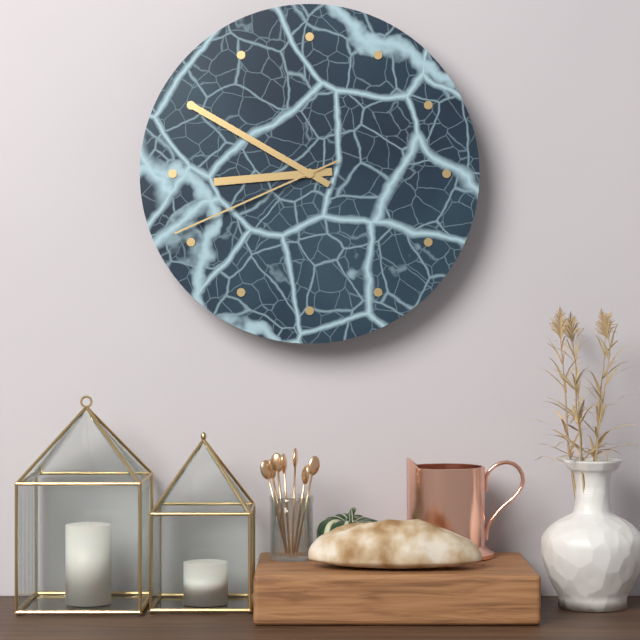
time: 8:50:41
